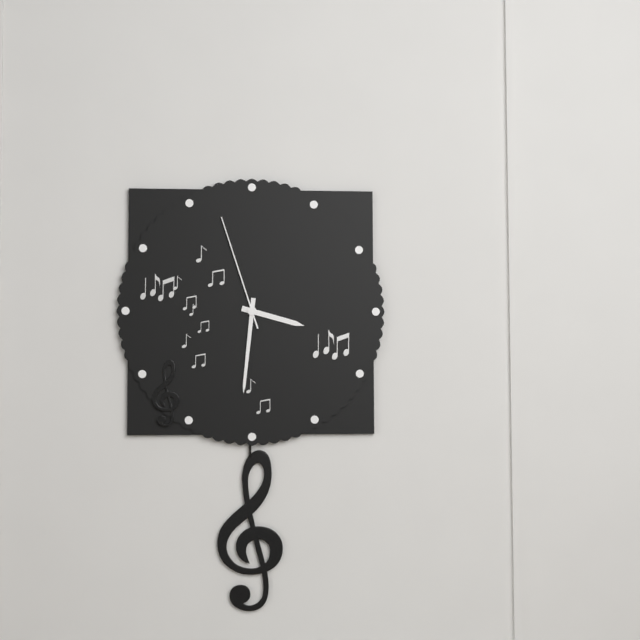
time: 3:31:57
